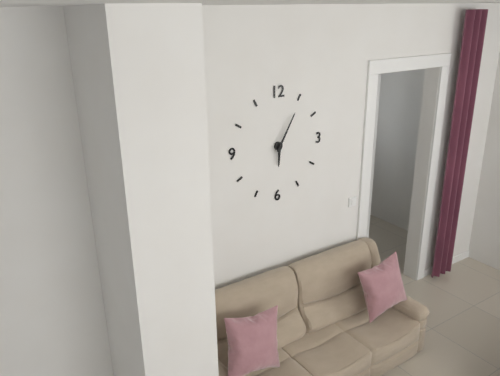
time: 6:05
